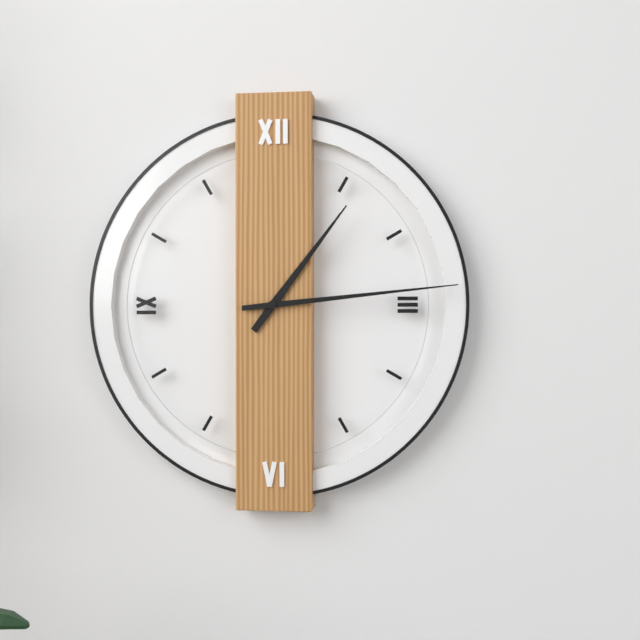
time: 1:14
